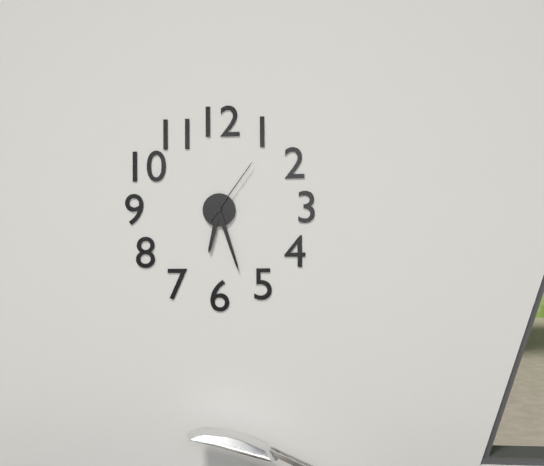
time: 6:27:06
